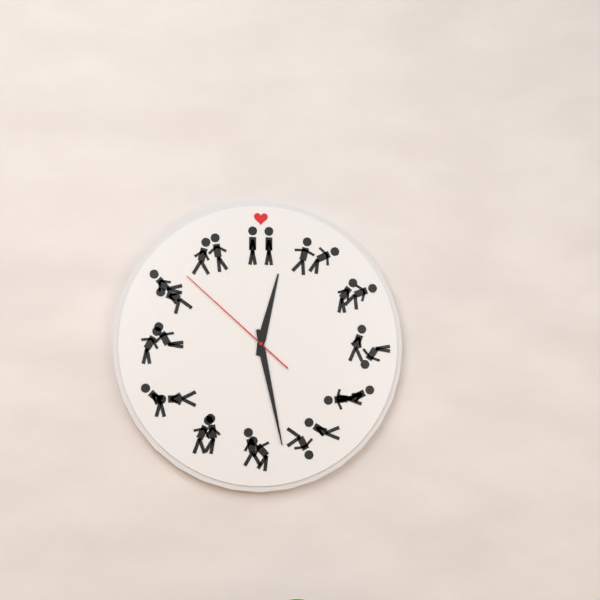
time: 12:28:52
